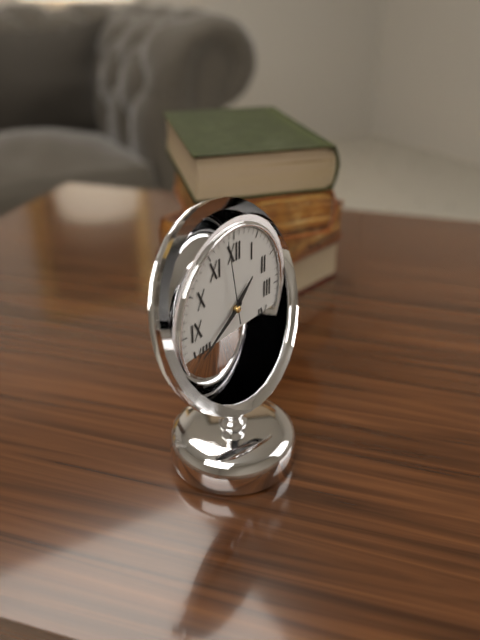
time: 1:40:58
